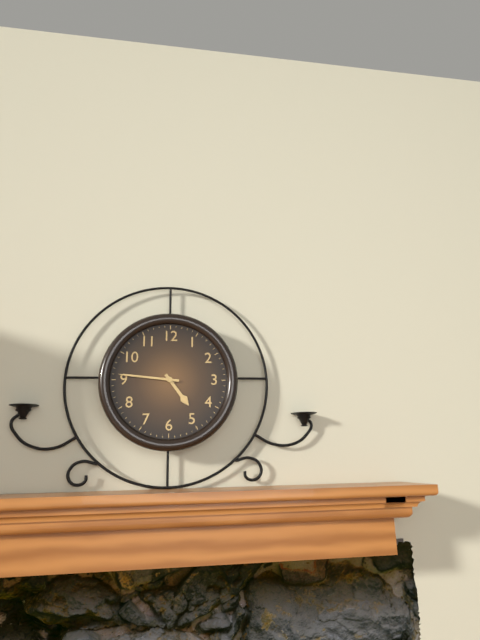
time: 4:46
